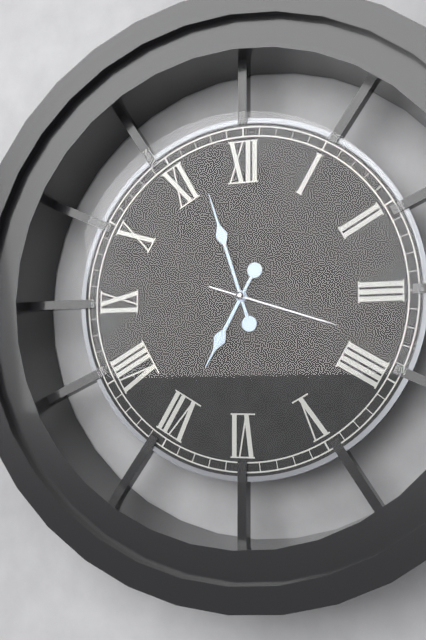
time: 6:57:18
